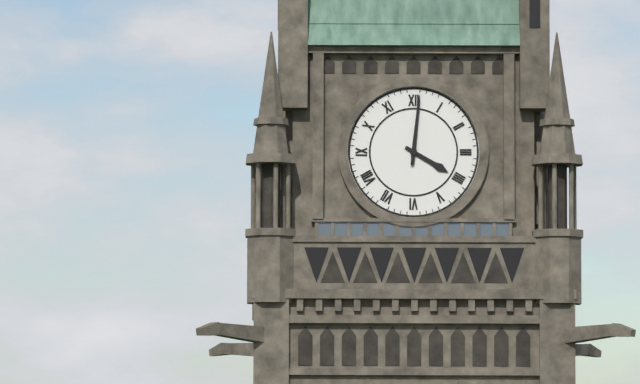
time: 4:01
